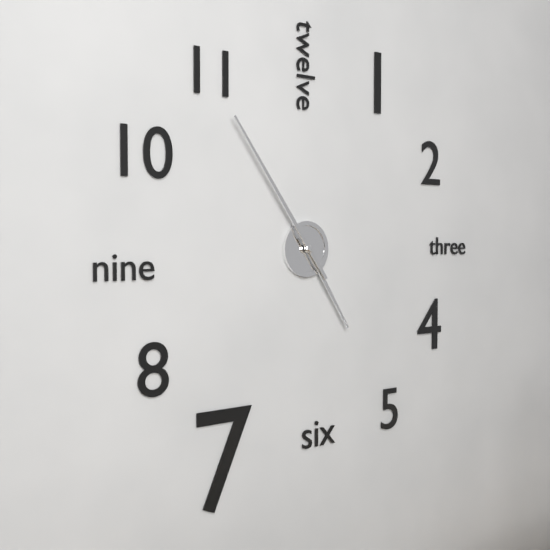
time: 4:54
